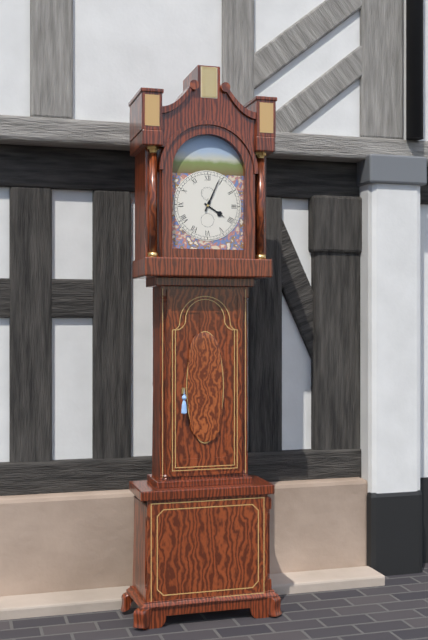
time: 4:04
